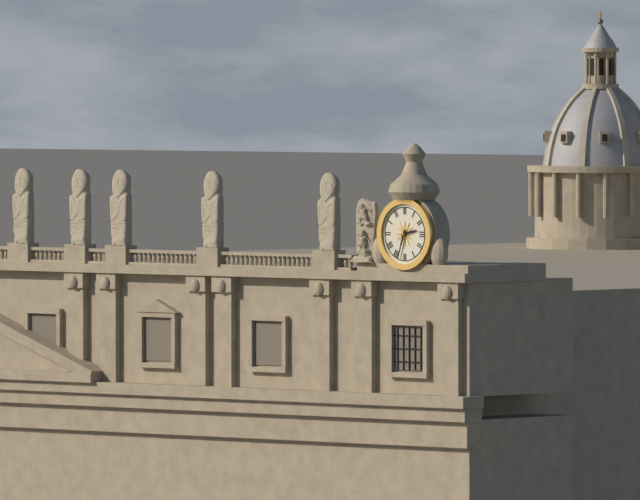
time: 2:33
